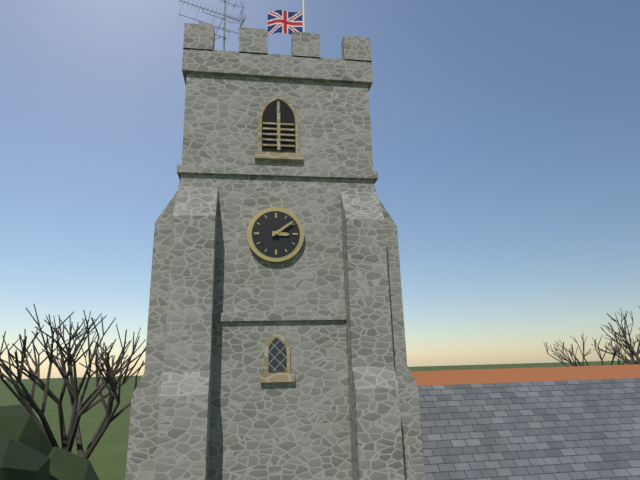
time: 3:09
